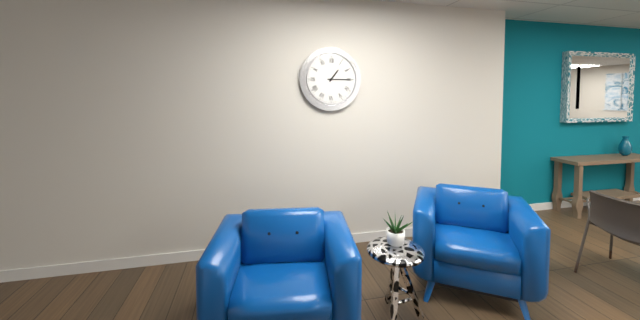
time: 1:15
